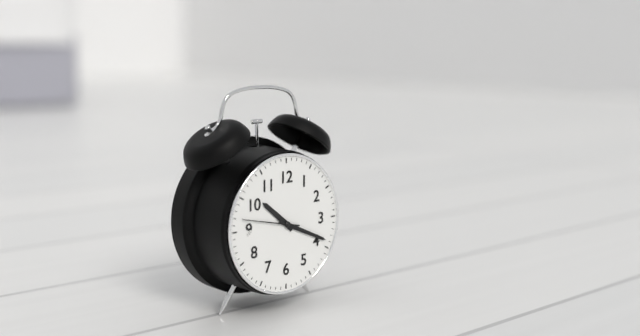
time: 10:19:47
